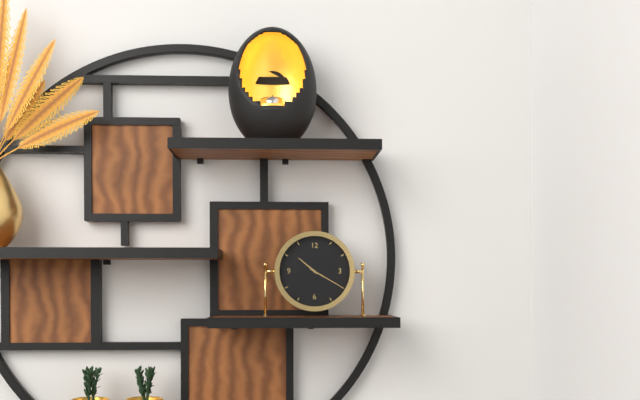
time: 10:20
